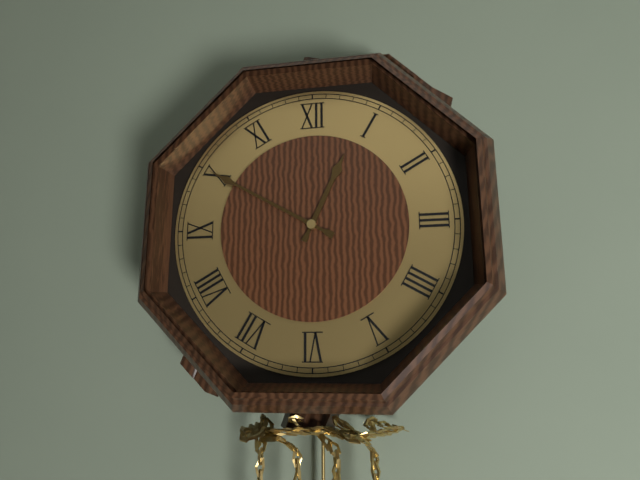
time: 12:50
